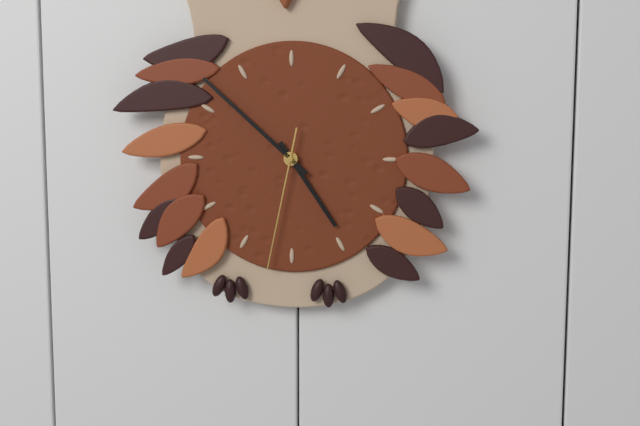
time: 4:52:32
